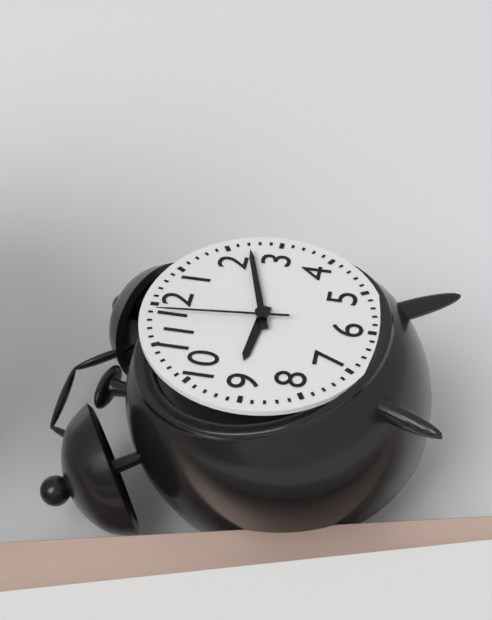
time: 9:12:59
